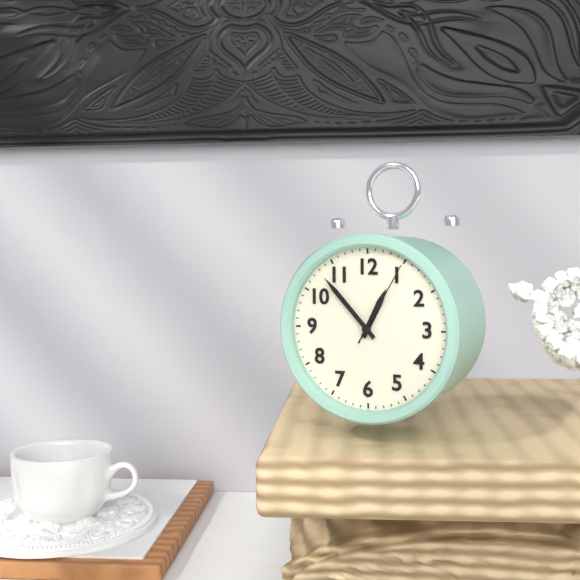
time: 12:53:05
